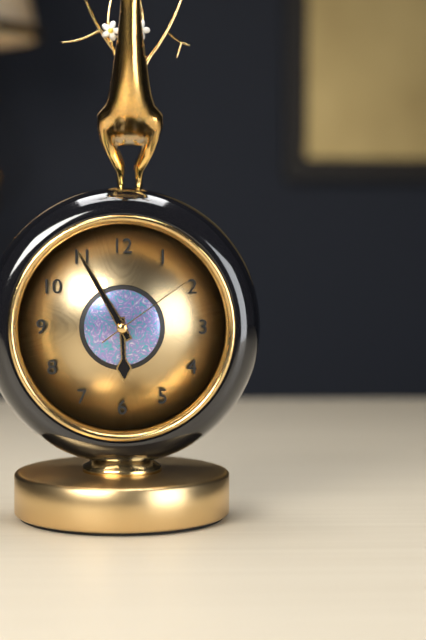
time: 5:55:09
